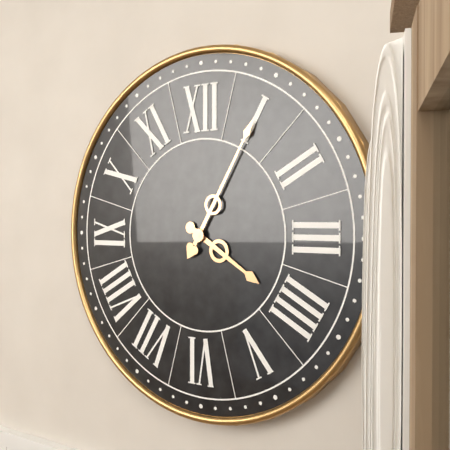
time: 4:05
